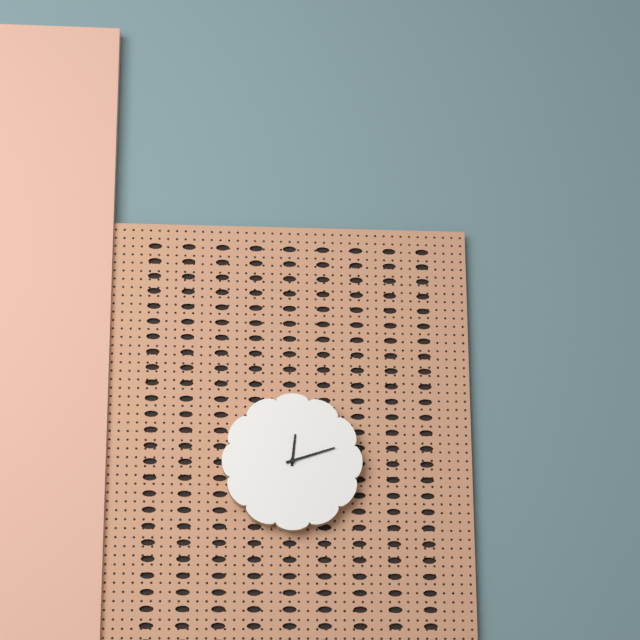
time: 12:12
